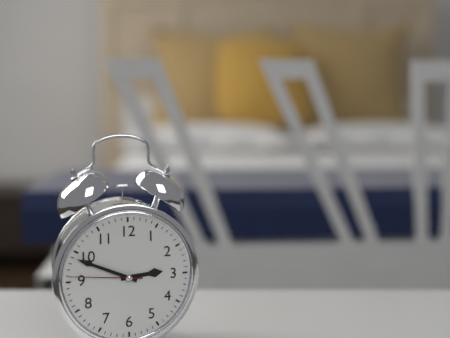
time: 2:49:46
